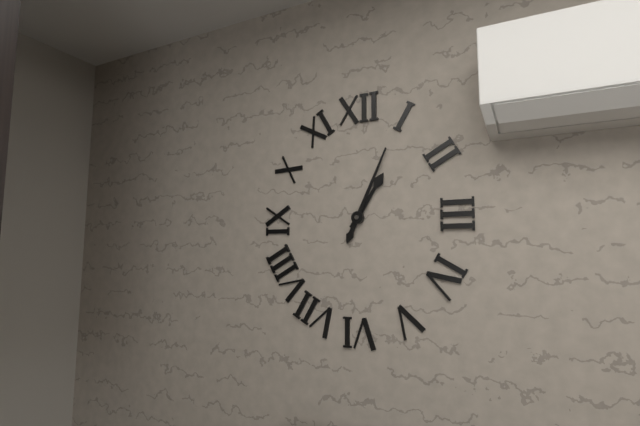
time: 1:04
